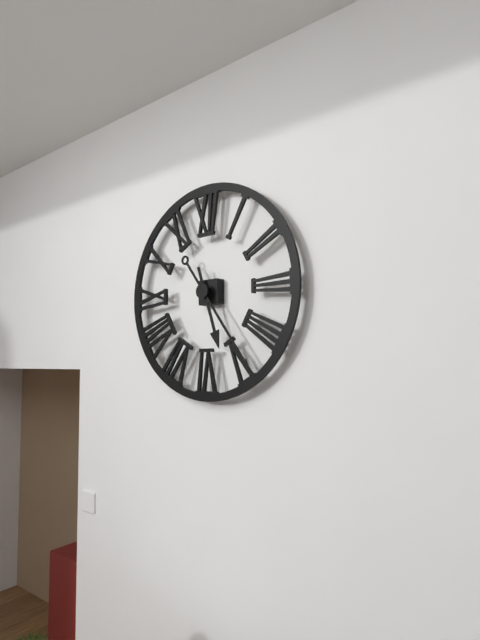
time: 5:24
